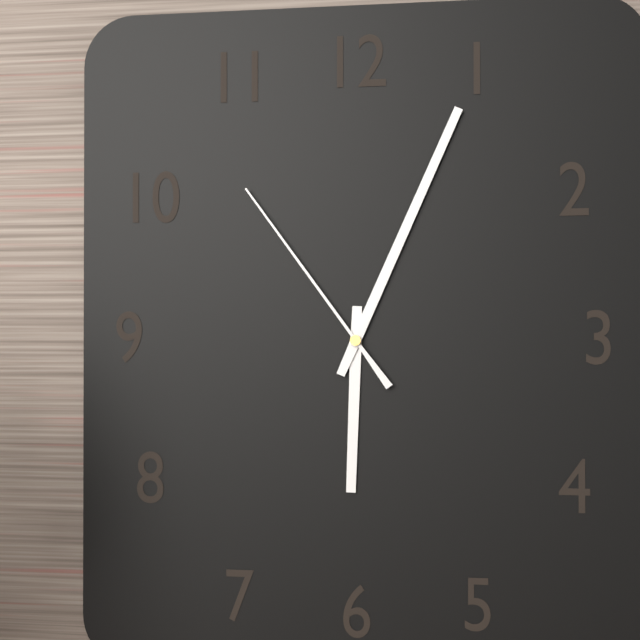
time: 6:04:54
